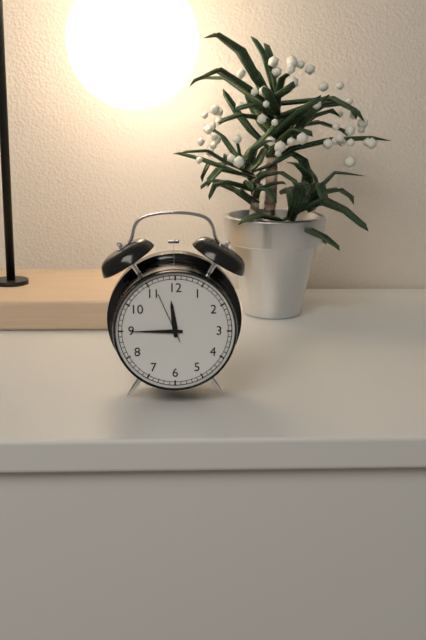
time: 11:45:56
